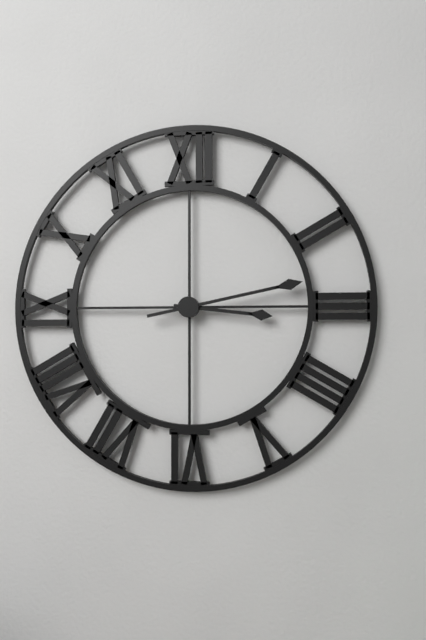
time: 3:13
